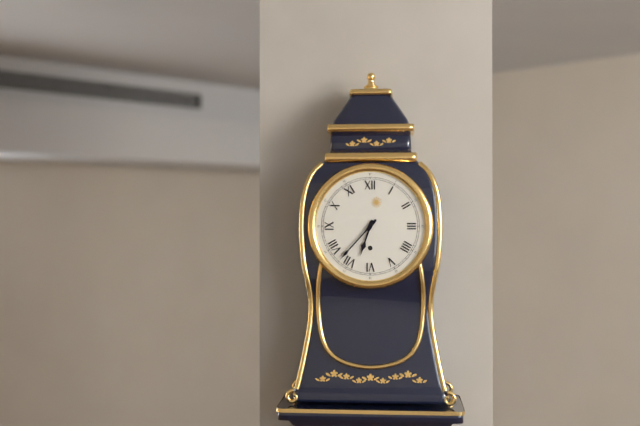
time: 6:37
